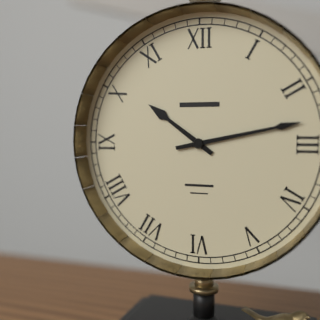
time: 10:13
